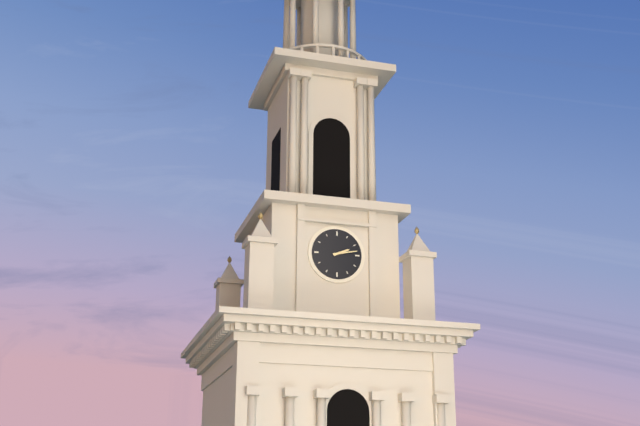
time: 2:13
